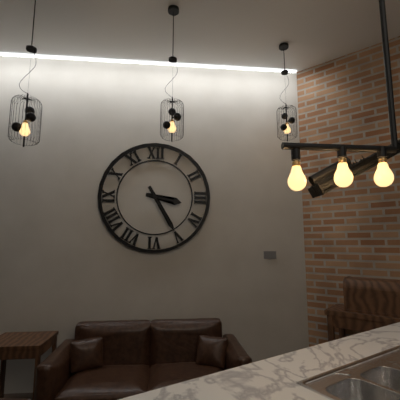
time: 3:25
